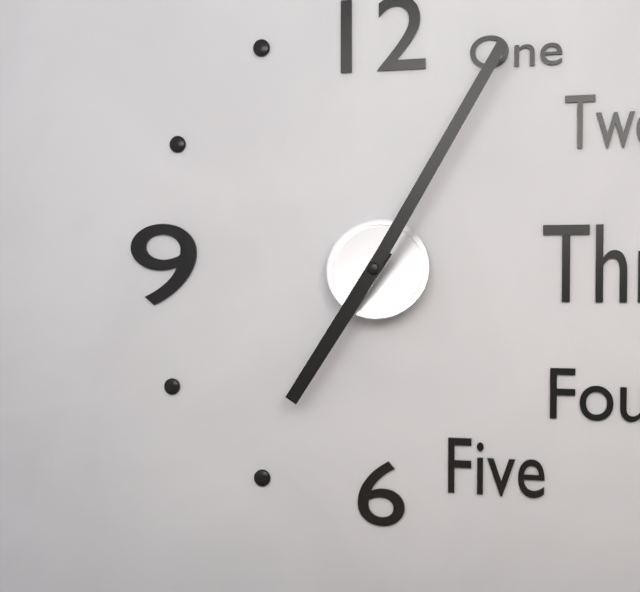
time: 7:05
